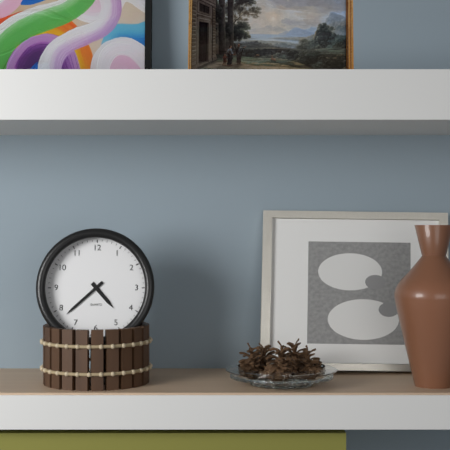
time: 4:38
